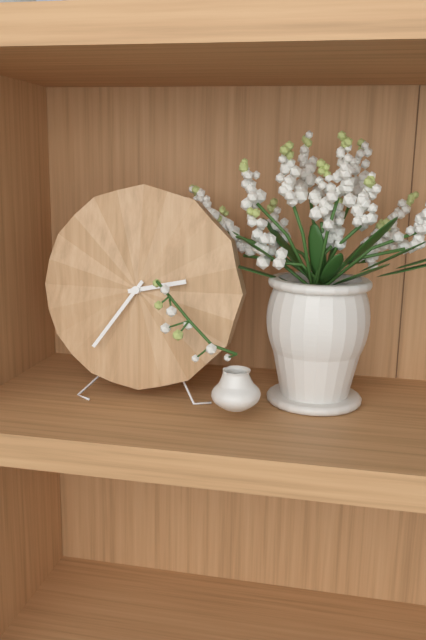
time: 2:36
